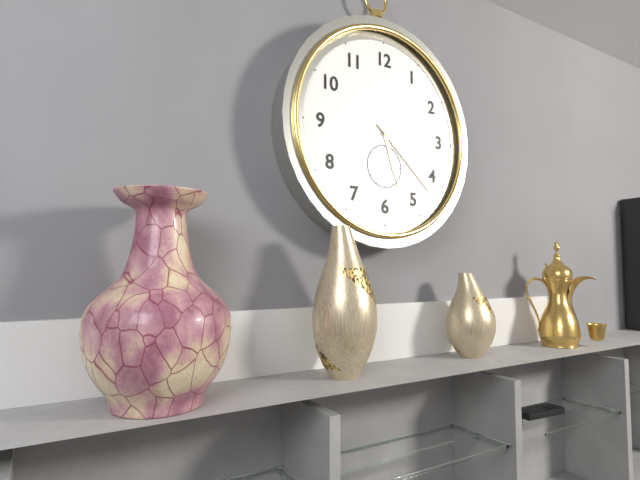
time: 5:22
